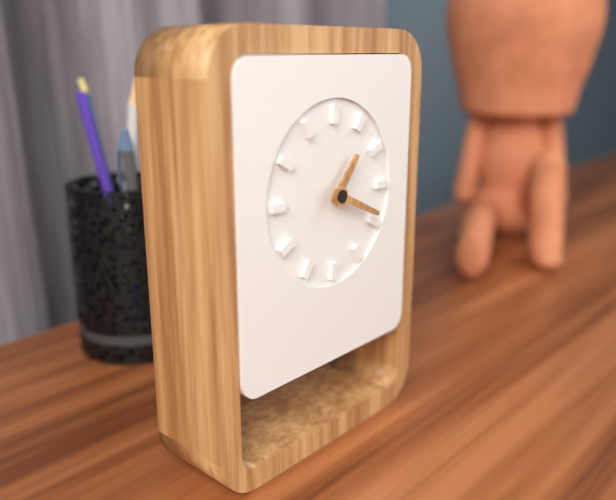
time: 1:19
